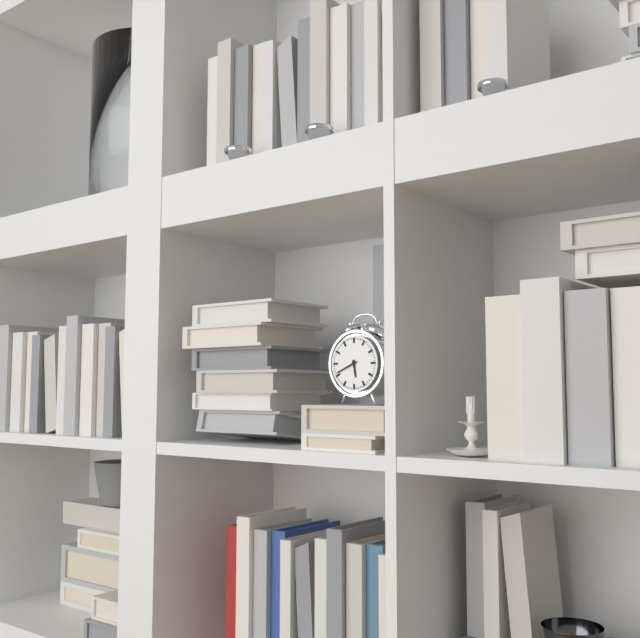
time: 5:41
